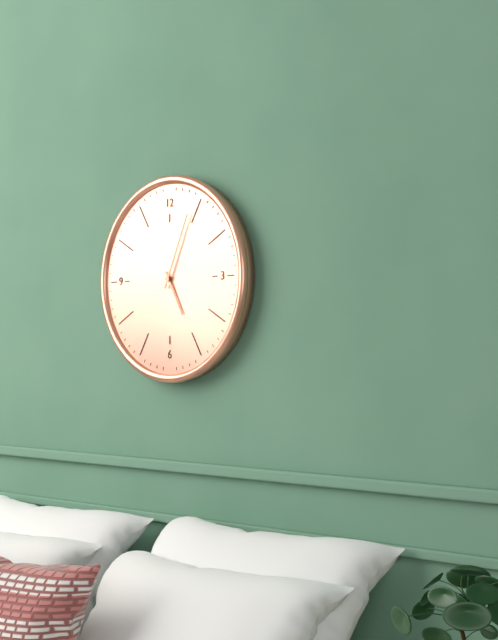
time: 5:04
